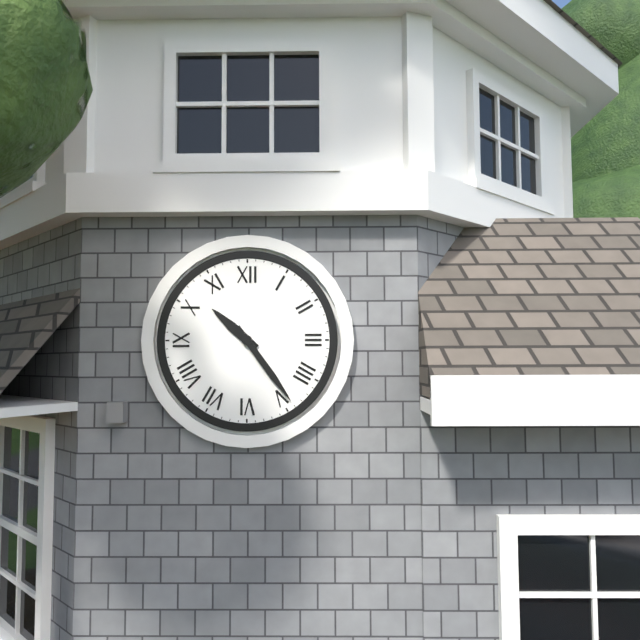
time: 10:24
